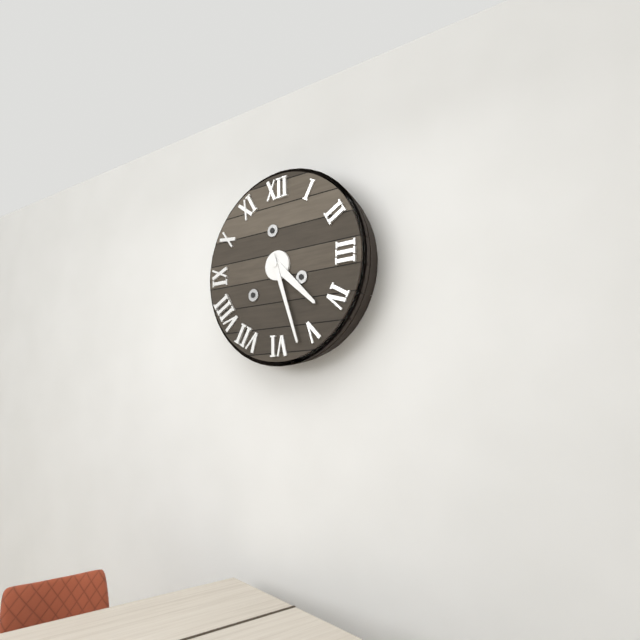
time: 4:27
